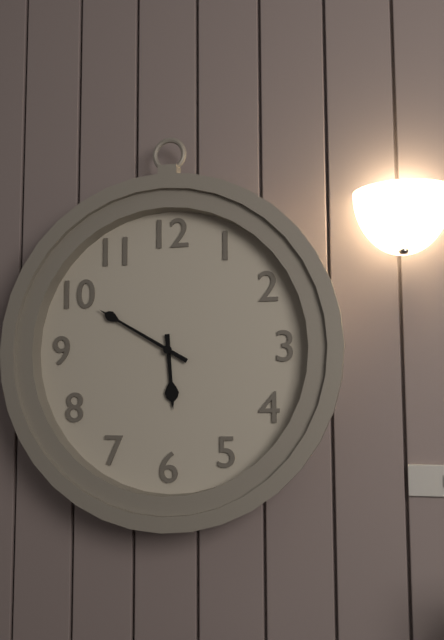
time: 5:50
